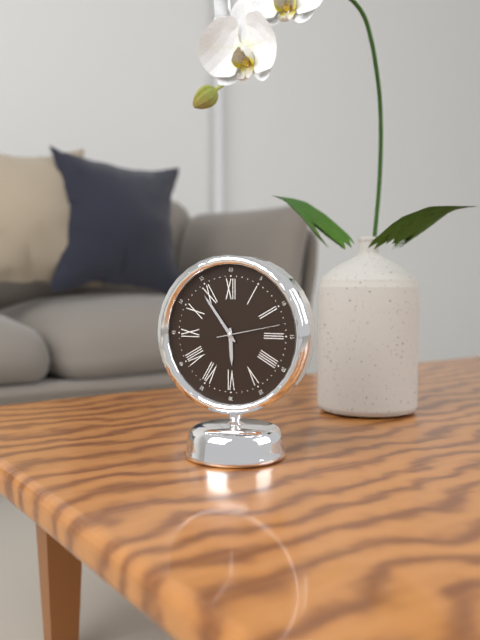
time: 5:54:13
